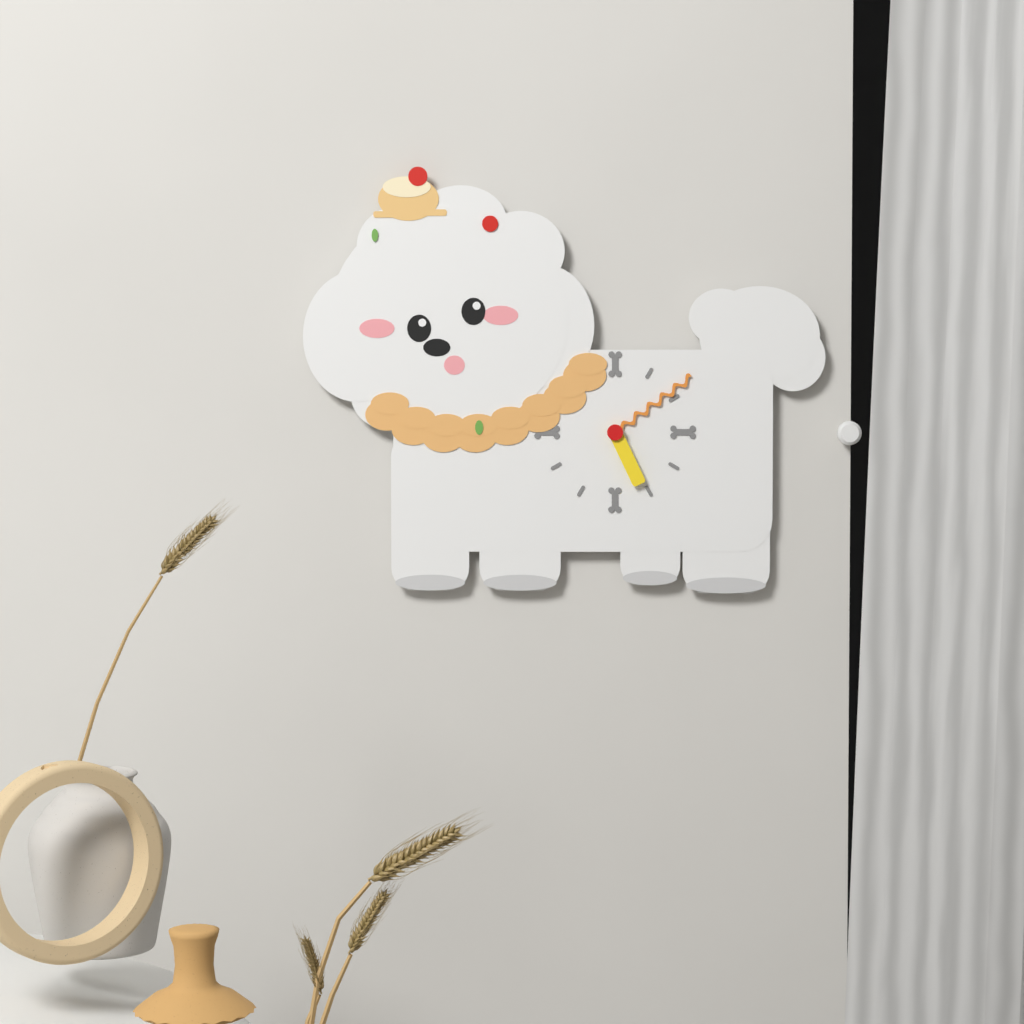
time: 5:09
